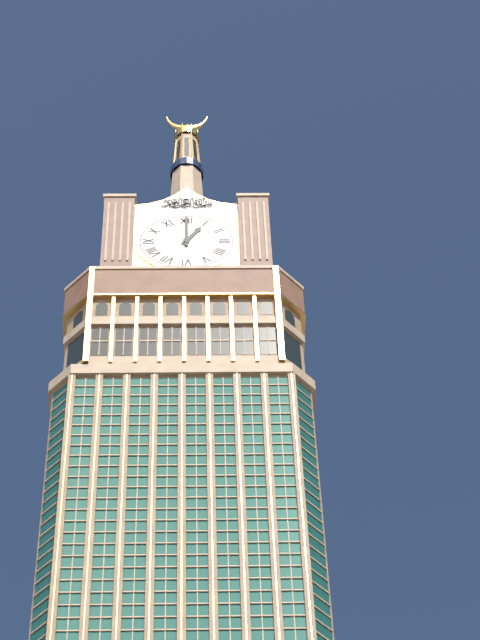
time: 1:00
